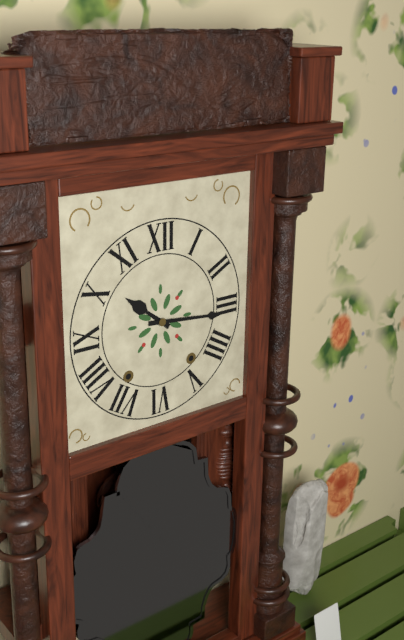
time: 10:16
